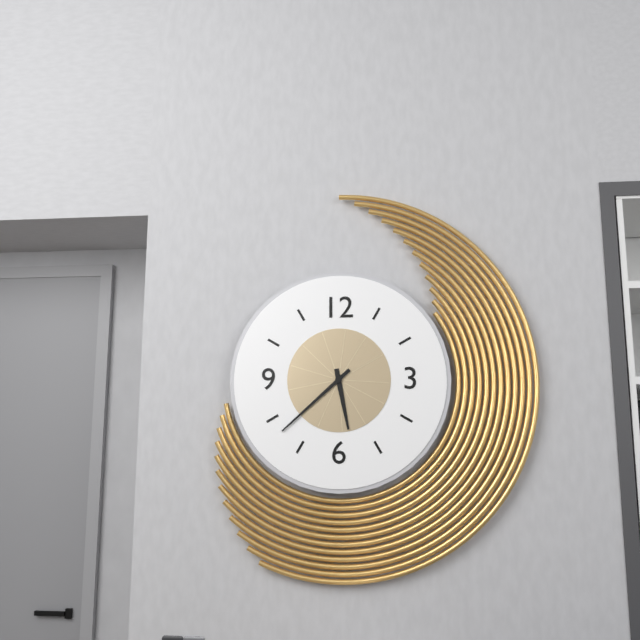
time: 5:38
